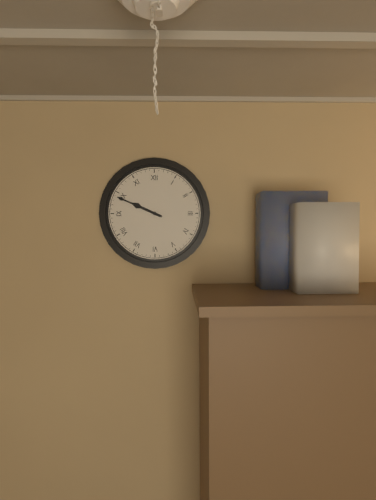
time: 9:49
